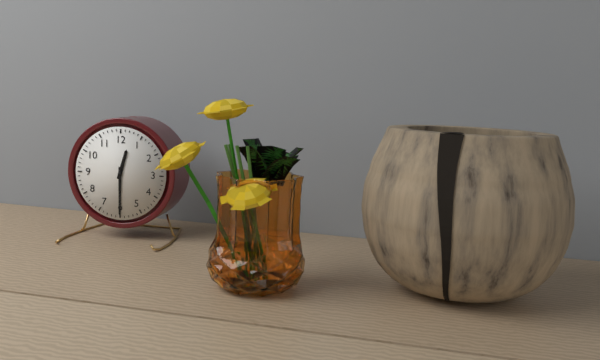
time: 12:30
